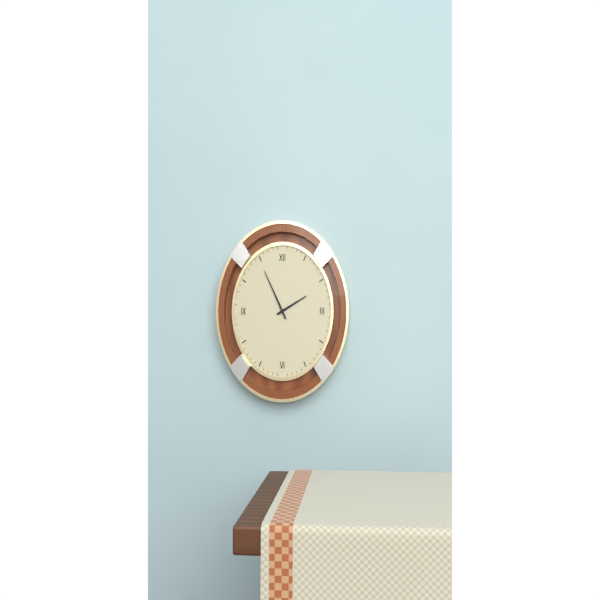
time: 1:56
